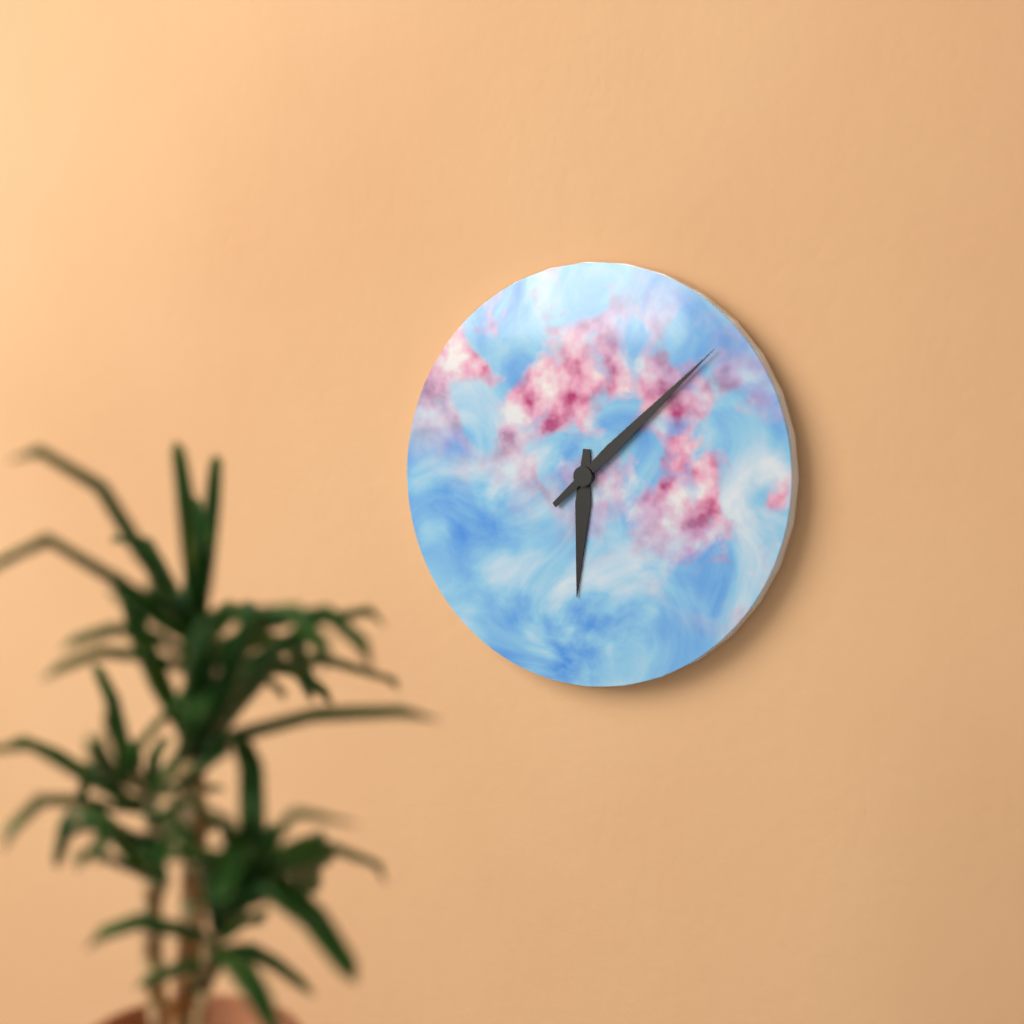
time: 6:08
